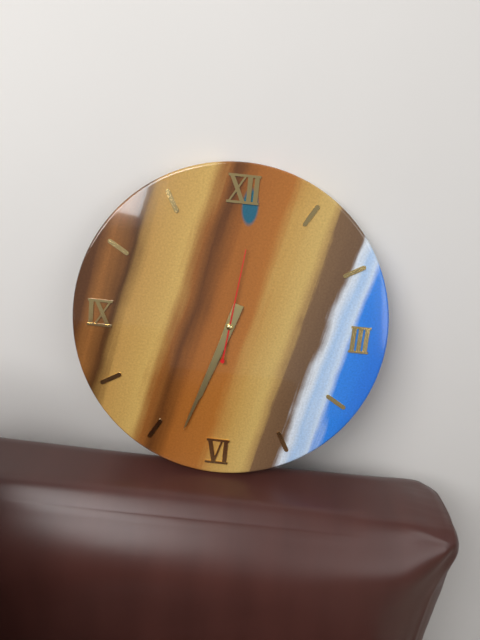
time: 6:33:01
